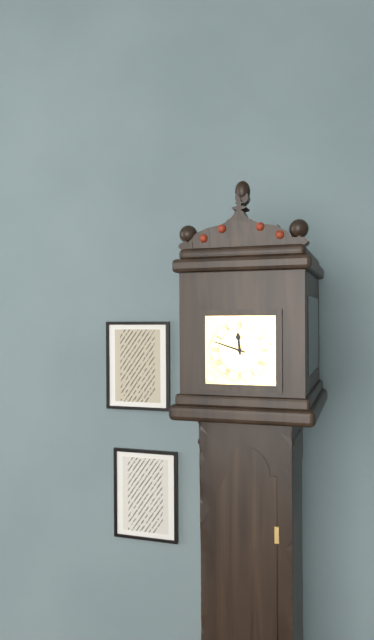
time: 11:48
